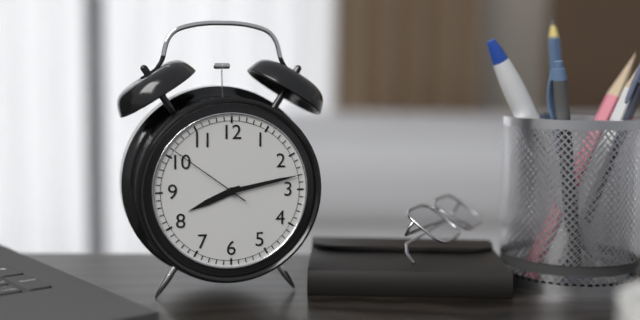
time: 8:13:51
